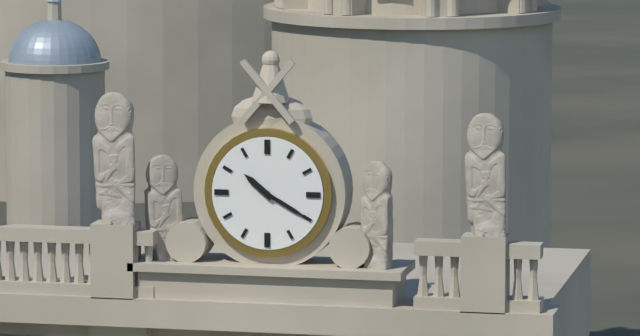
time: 10:20
